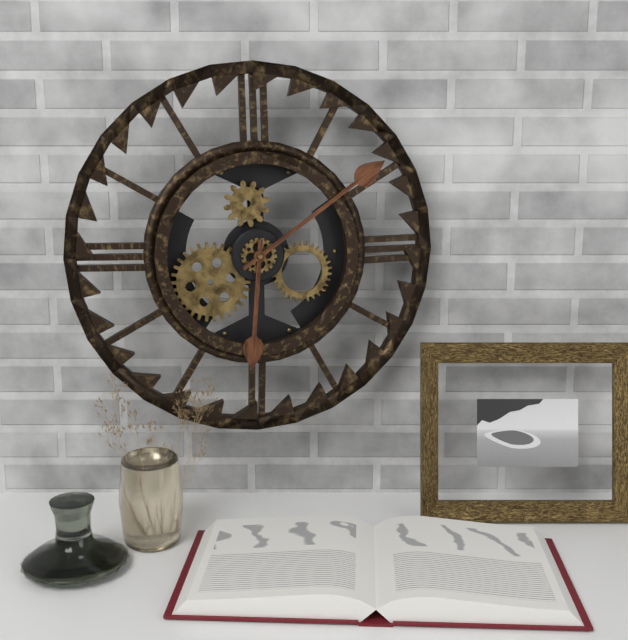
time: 6:09
